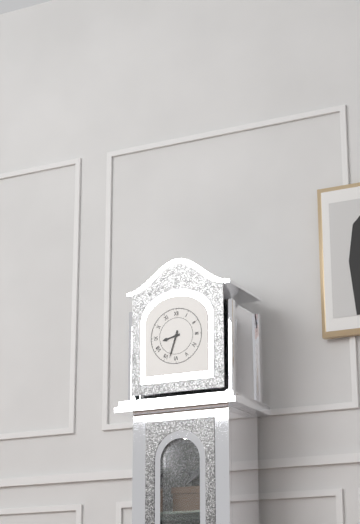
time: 8:33
